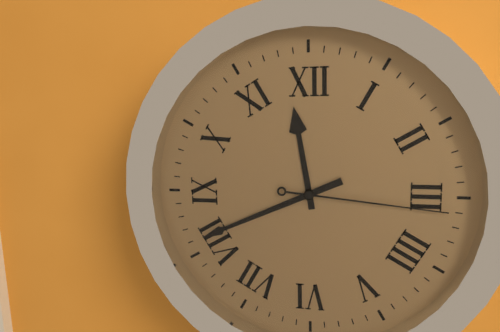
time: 11:41:16
